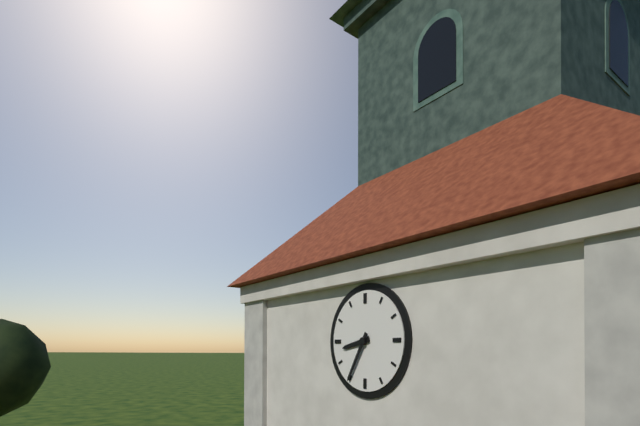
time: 8:35
